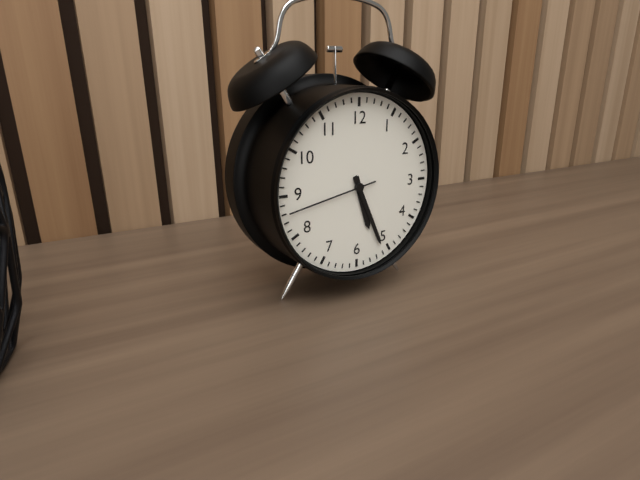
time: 5:26:43
